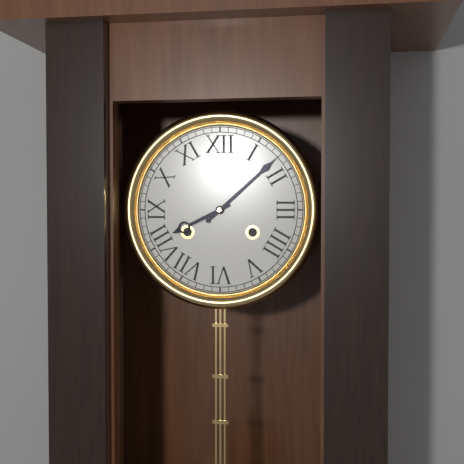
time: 8:08
